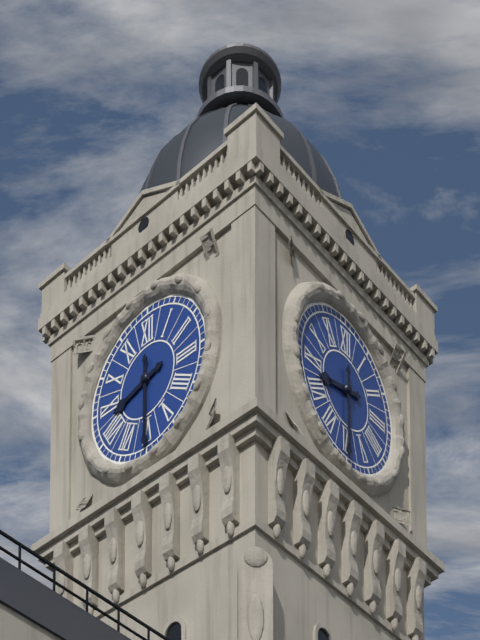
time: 8:30
